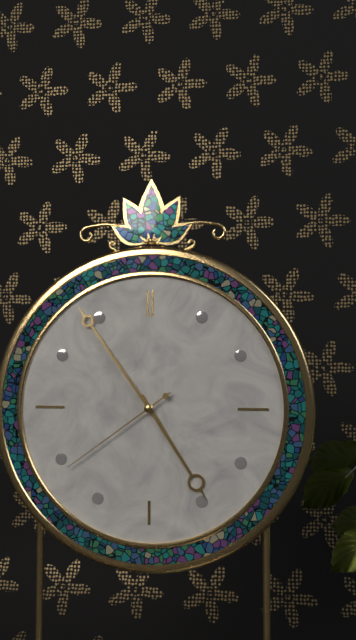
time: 4:54:39
